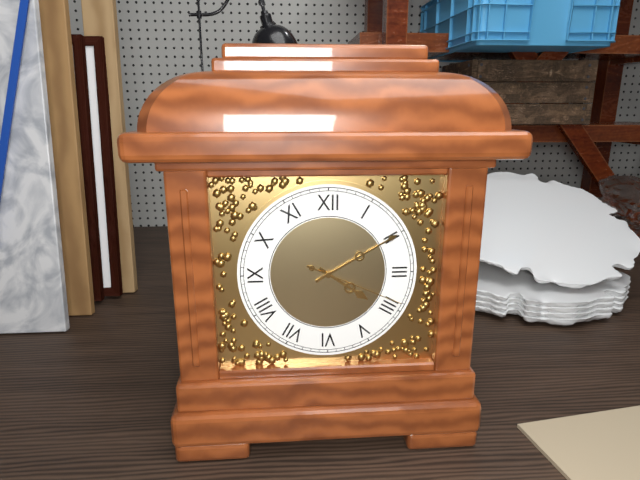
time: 4:10:19
